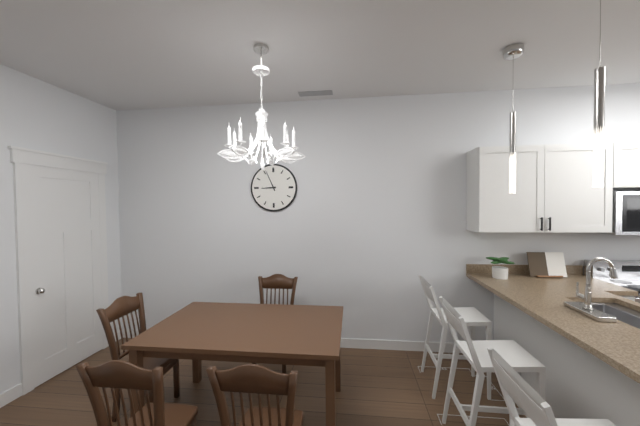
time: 8:56
